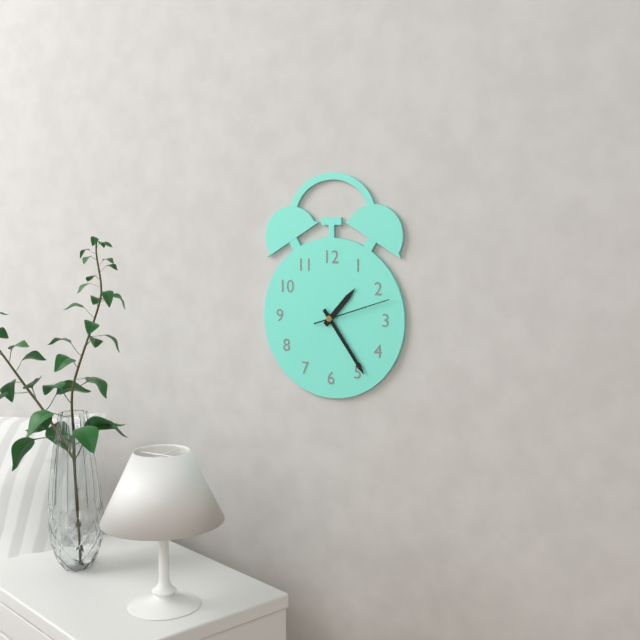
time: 1:24:12
